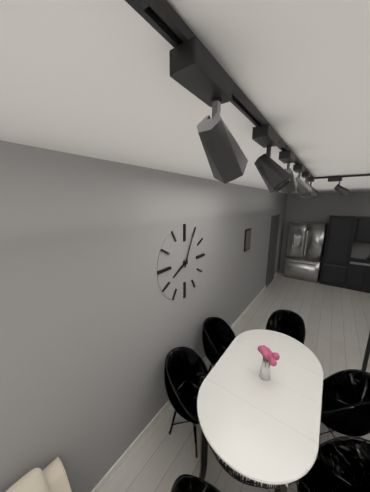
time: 8:04
